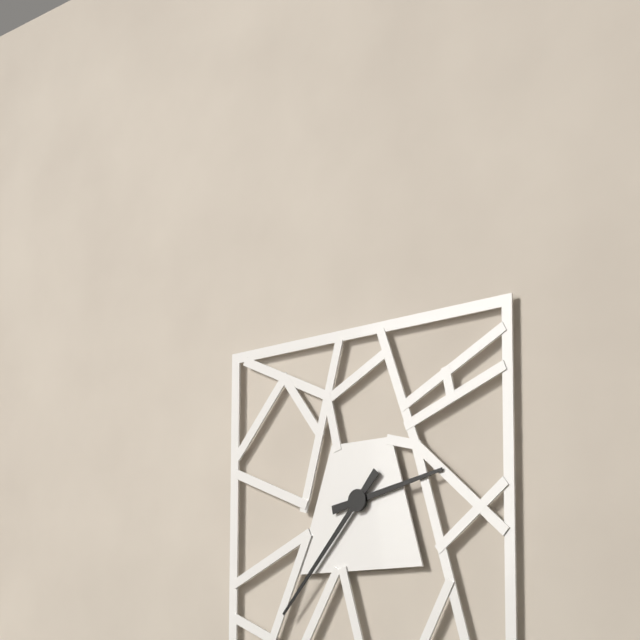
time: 2:37
